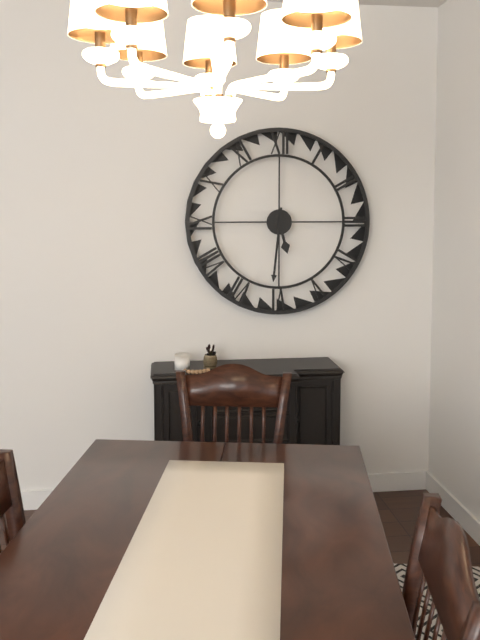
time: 5:31
